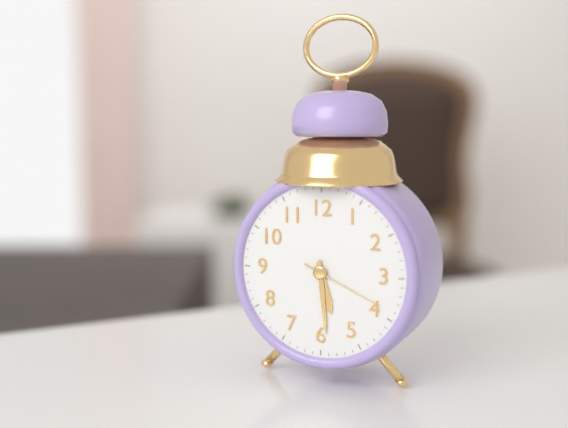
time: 5:29:19
